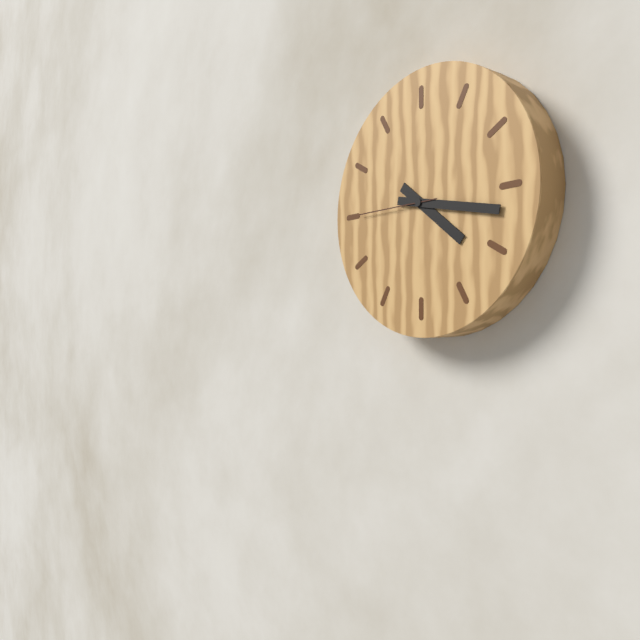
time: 4:17:45
